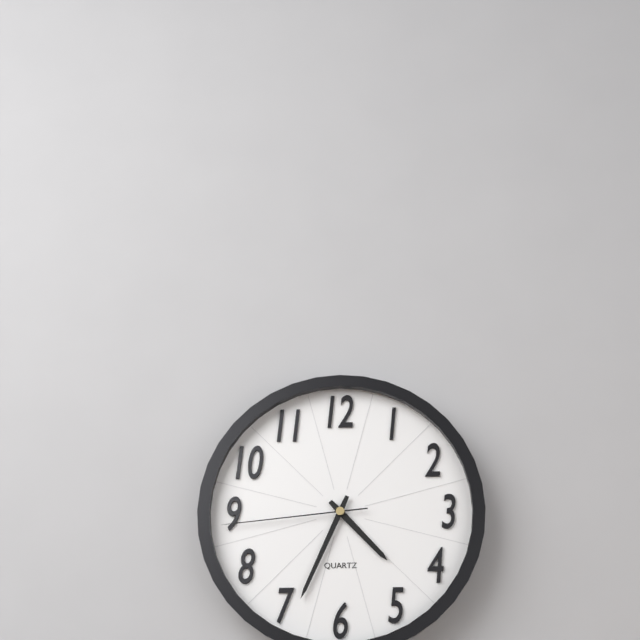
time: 4:34:44
